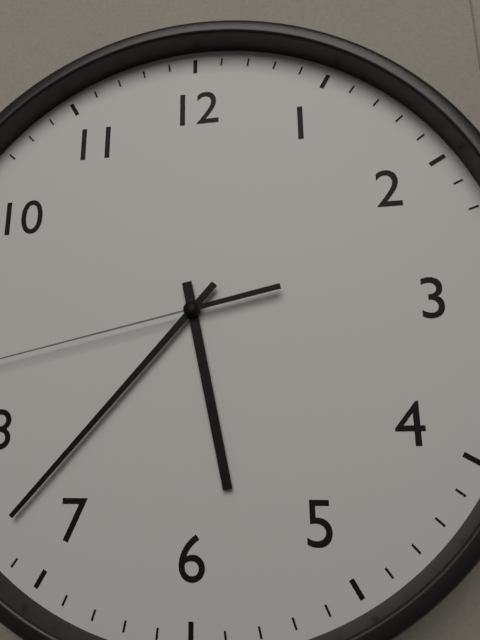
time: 5:37
